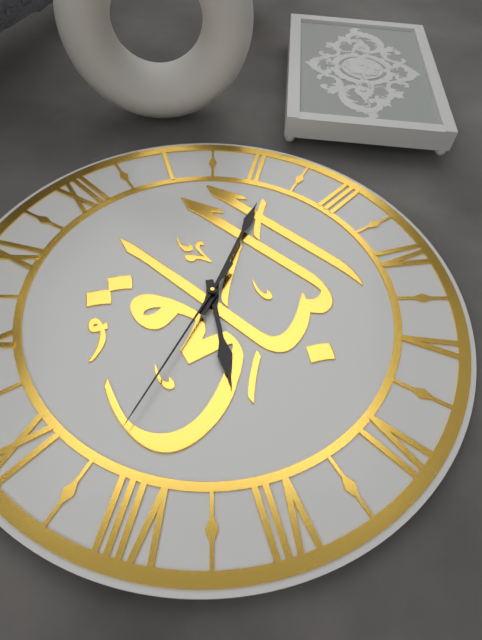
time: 7:11:42
